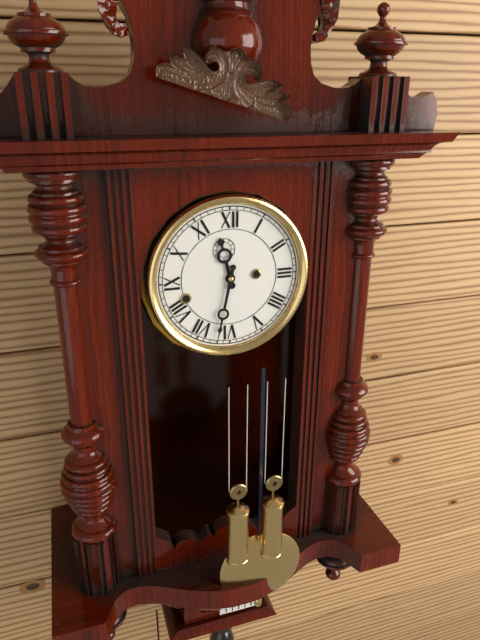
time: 11:32
